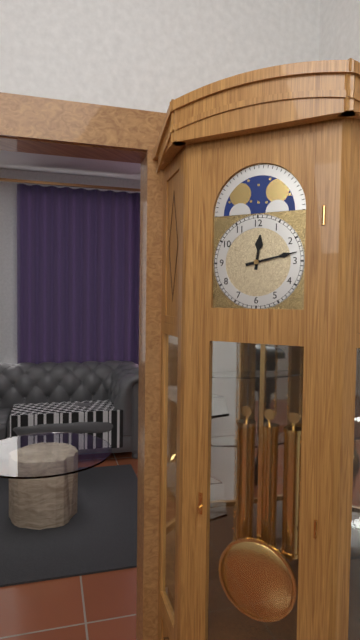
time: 12:13
